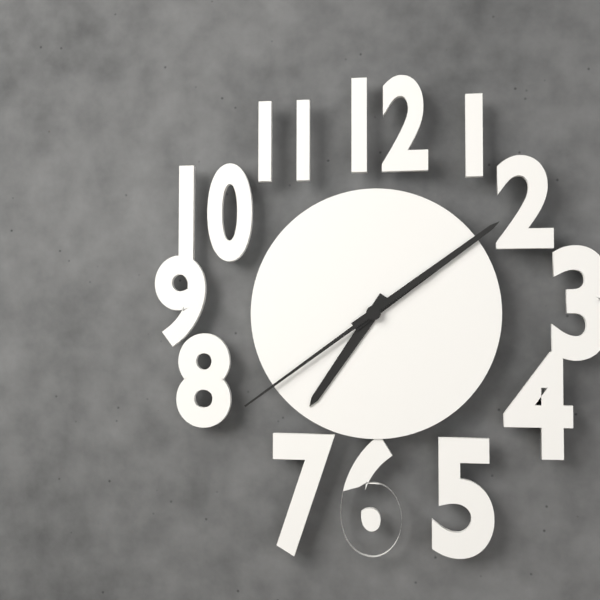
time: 7:09:39
